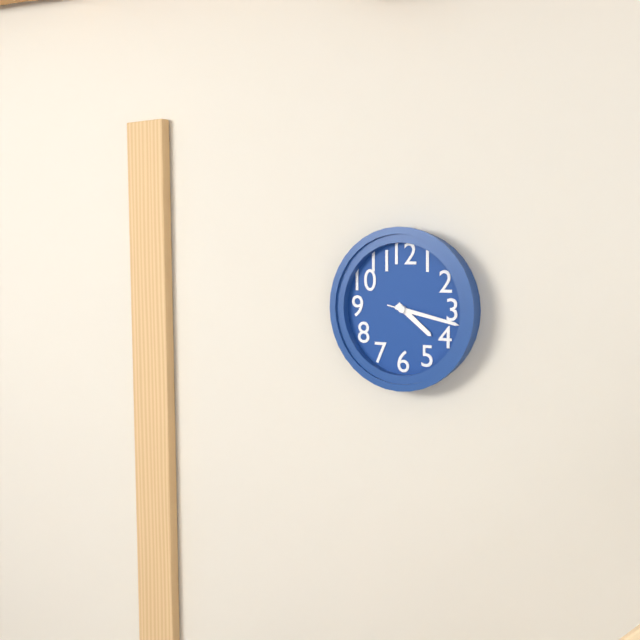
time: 4:17:17
